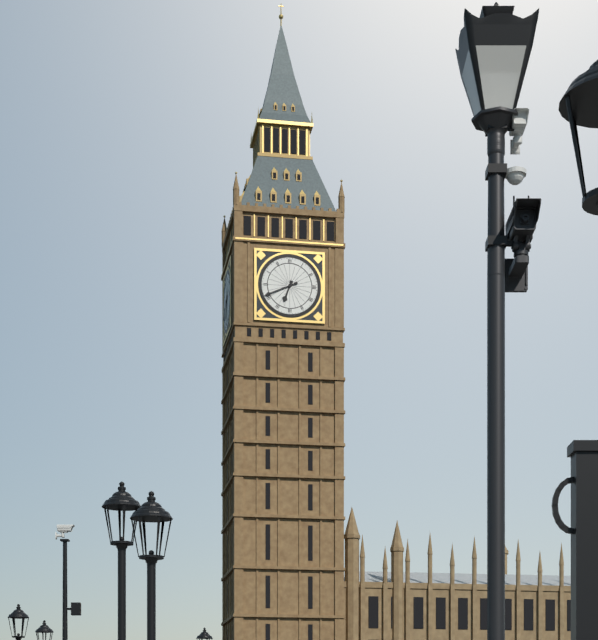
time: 6:41
